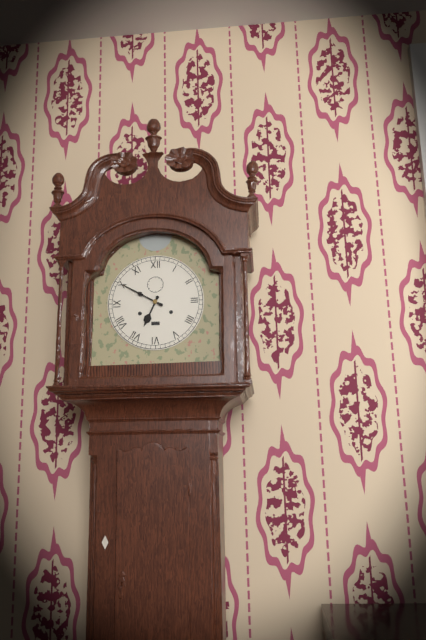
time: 6:50
